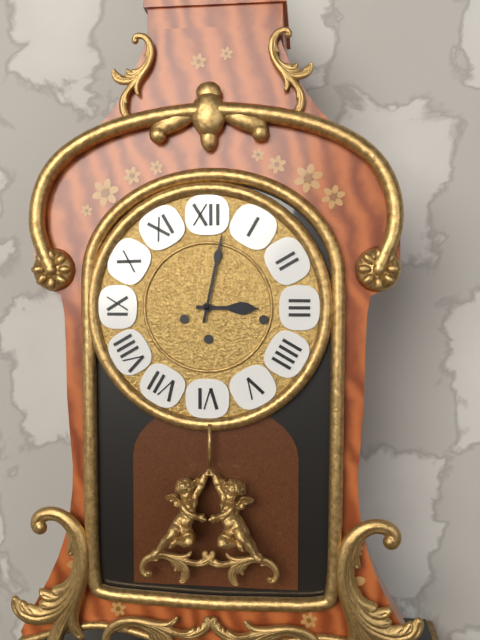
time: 3:02
